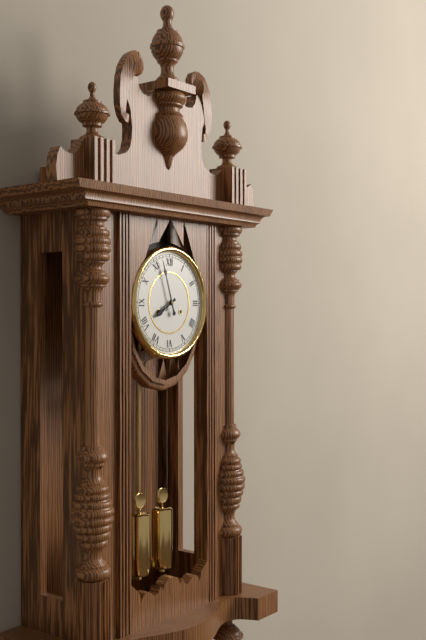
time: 7:57
